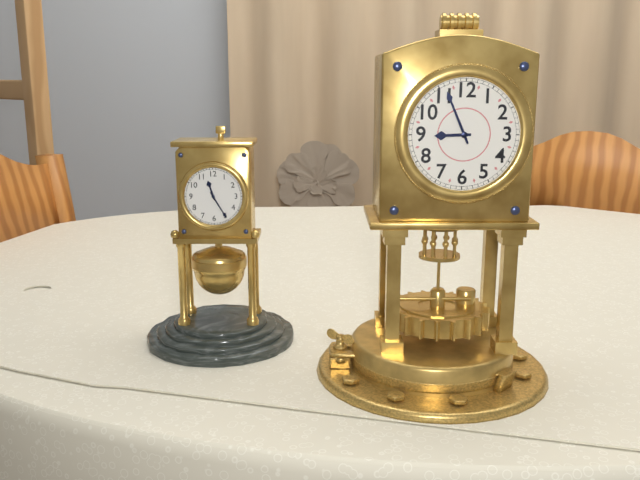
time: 8:56
